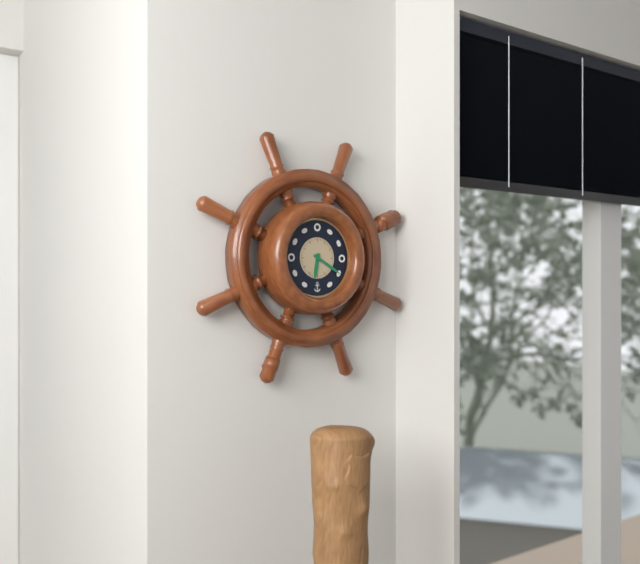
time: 6:20
